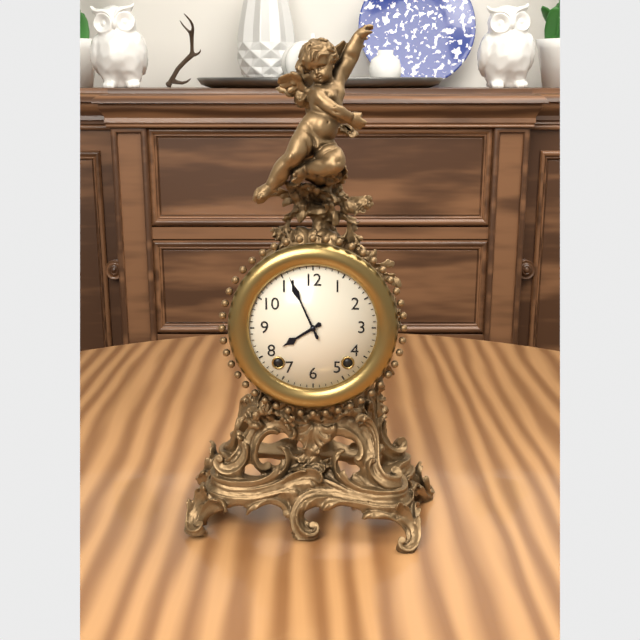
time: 7:56
